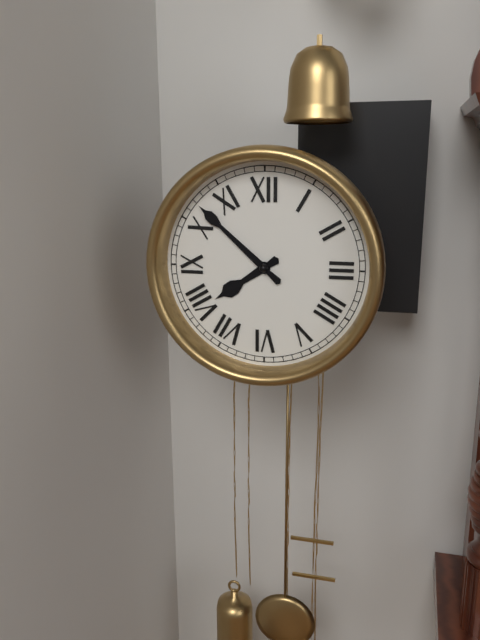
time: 7:52
